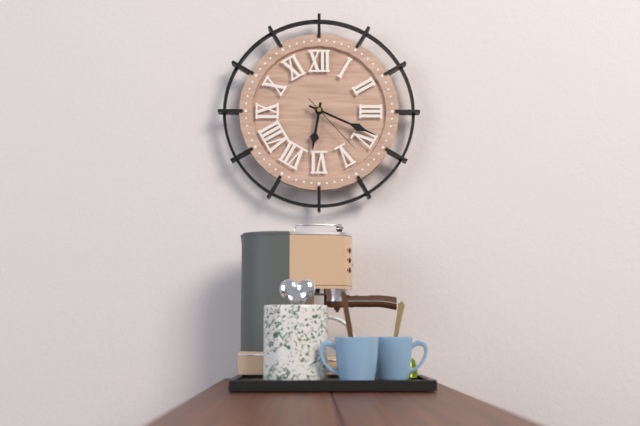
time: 6:19:23
